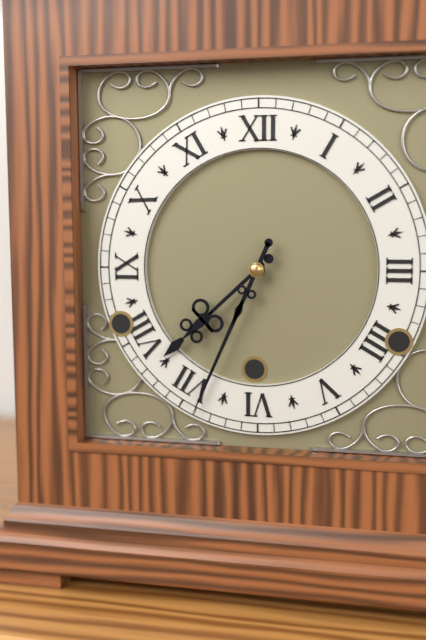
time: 7:34
